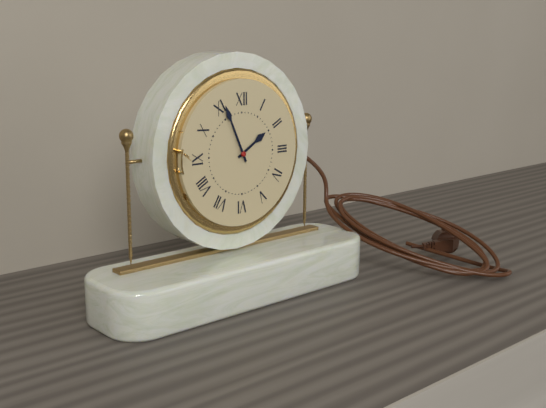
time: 1:56
